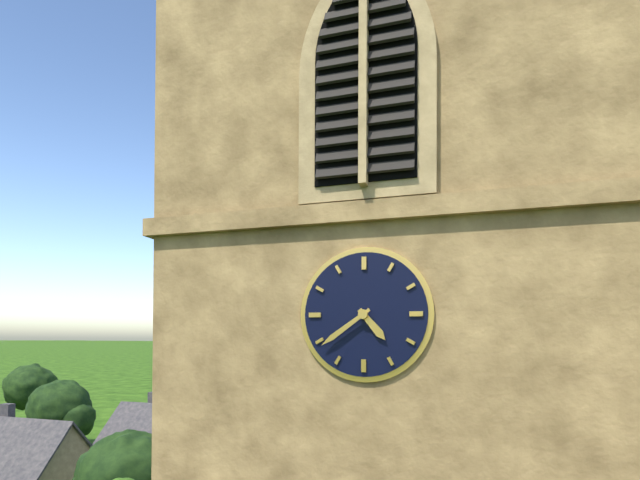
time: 4:39
